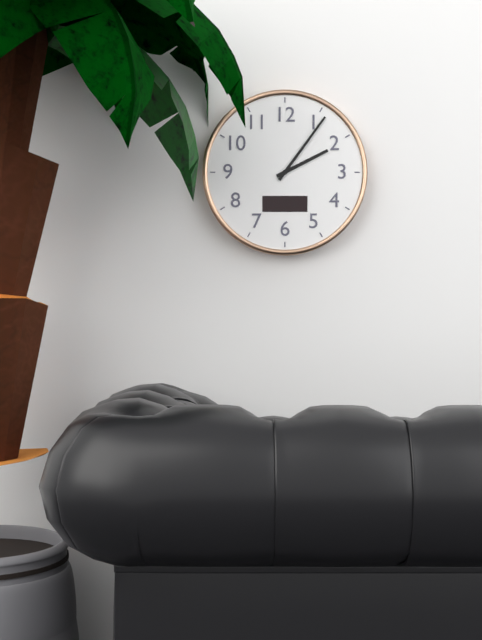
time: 2:06
